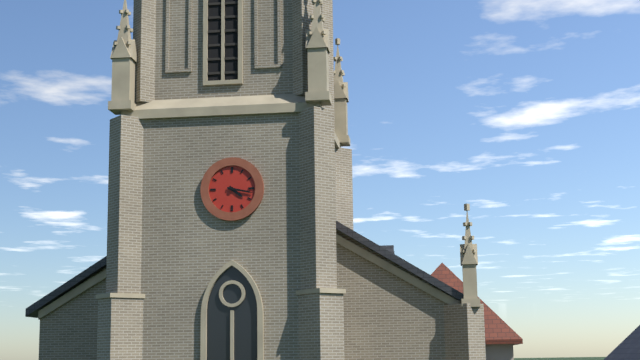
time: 4:17
